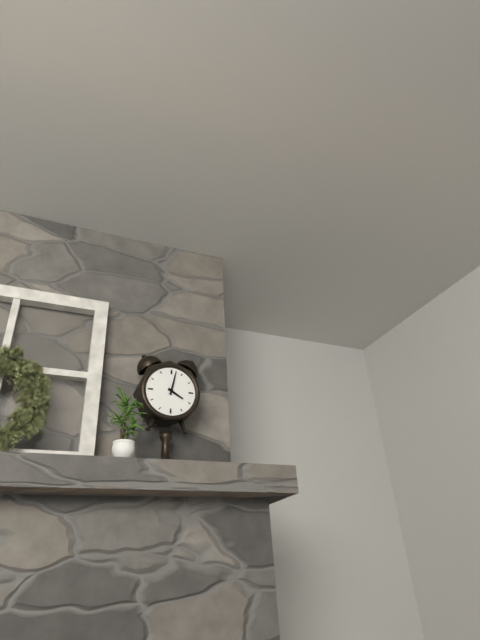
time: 4:02
